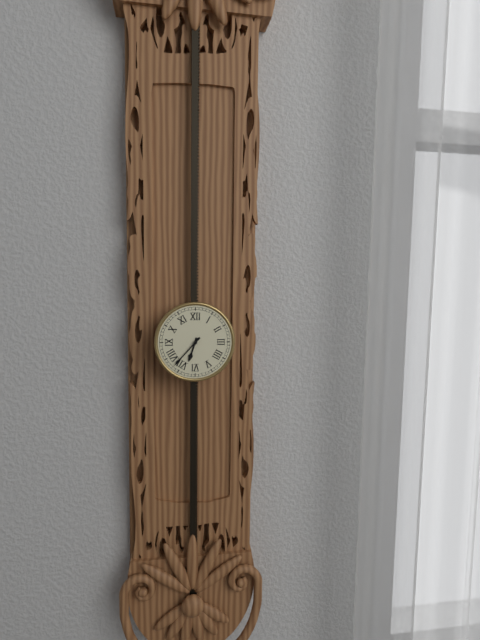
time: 6:37
